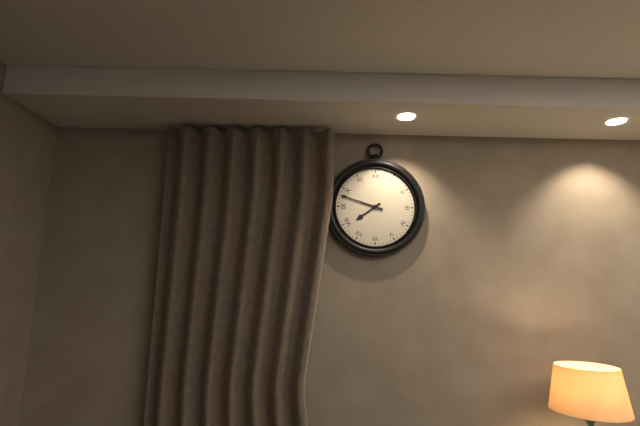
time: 7:48
